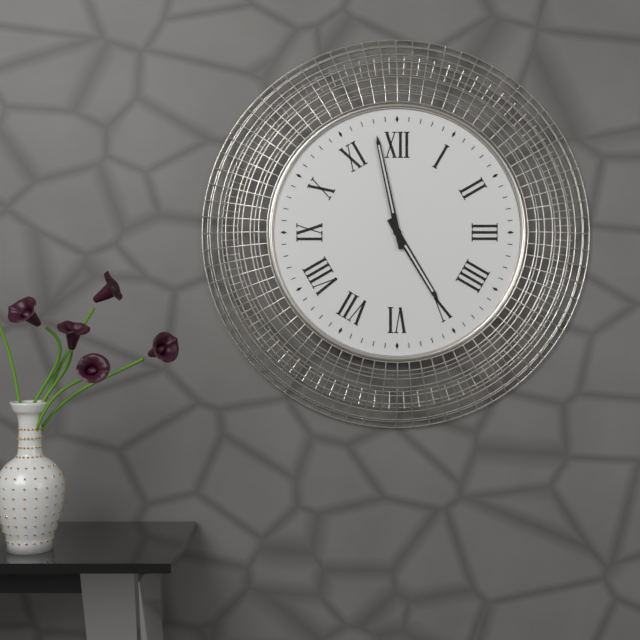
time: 4:58
